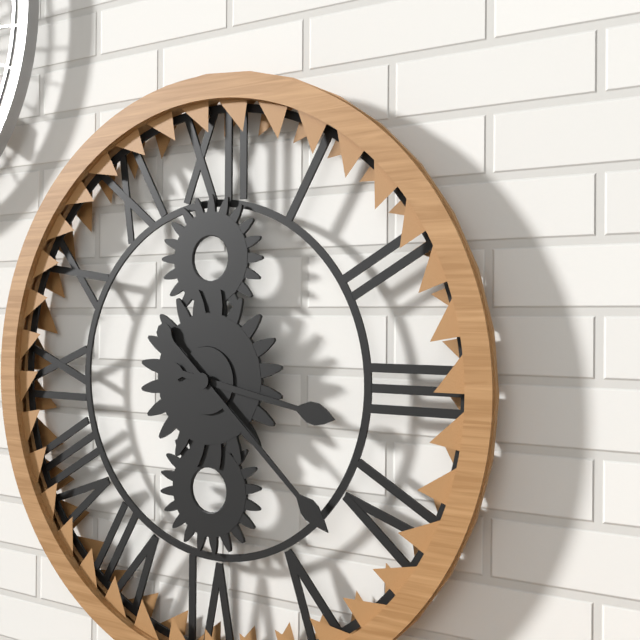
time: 3:22
